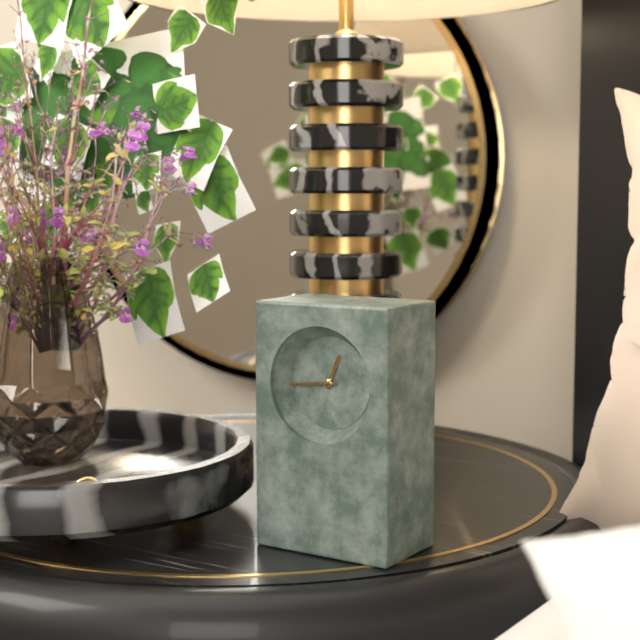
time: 12:44
